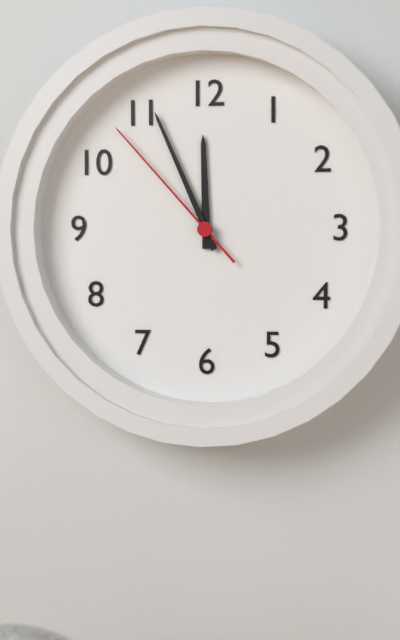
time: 11:56:53
